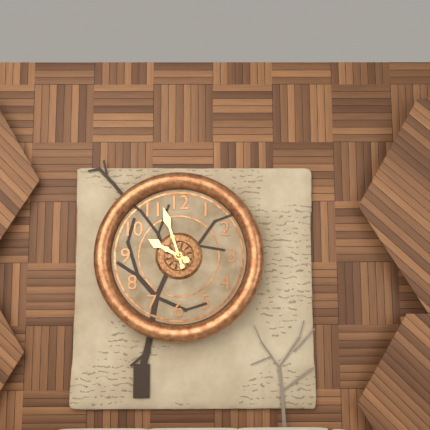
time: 9:57
